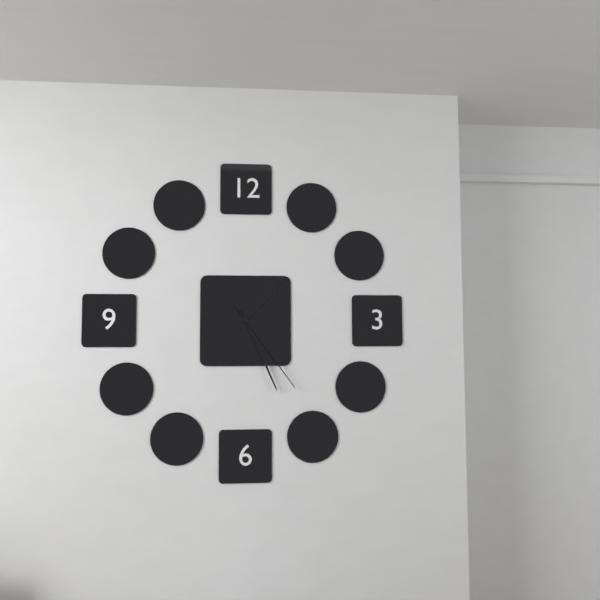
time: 1:26:24
